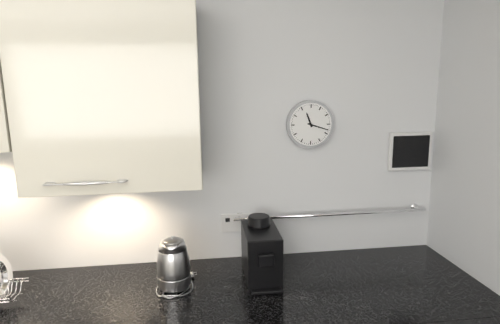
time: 11:18
